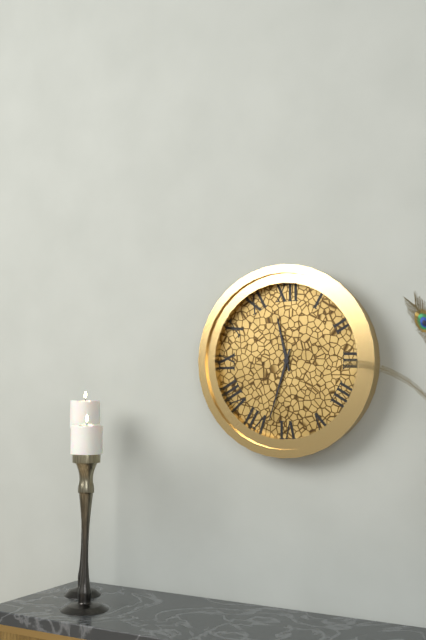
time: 11:33
